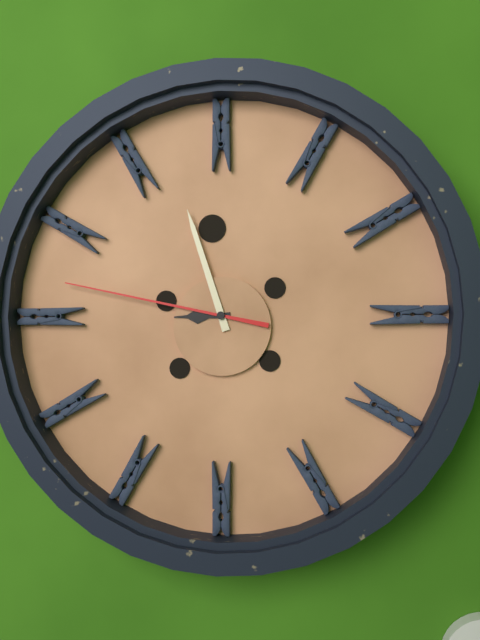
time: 8:57:47
